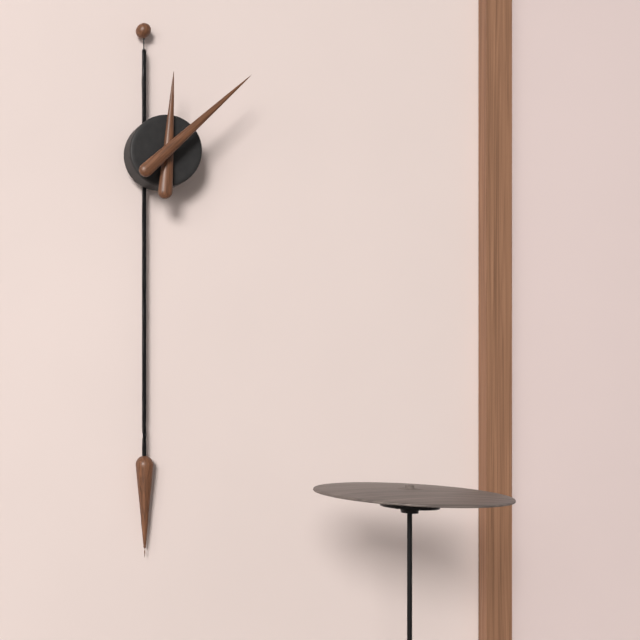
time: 12:08
